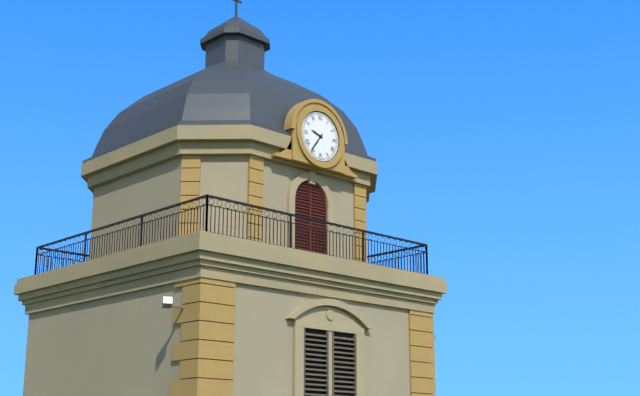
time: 9:36
